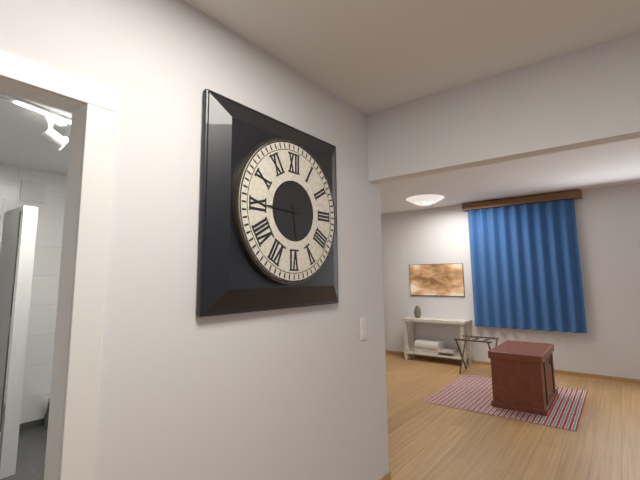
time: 5:45
